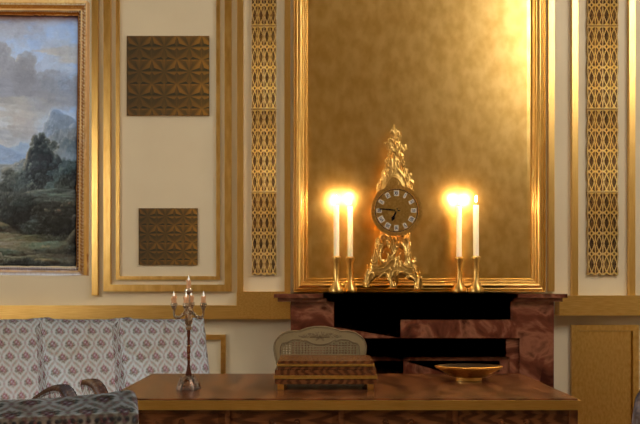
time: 6:46
